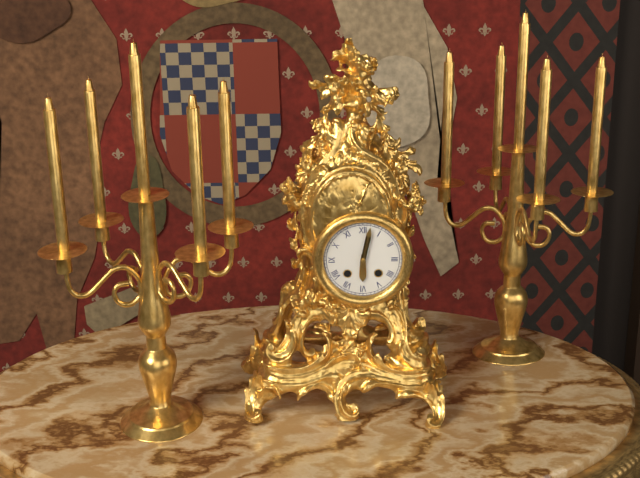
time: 6:02
